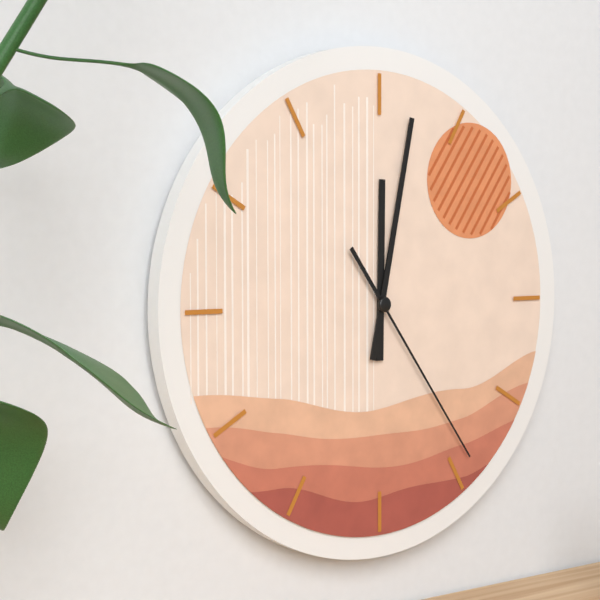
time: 12:02:24
